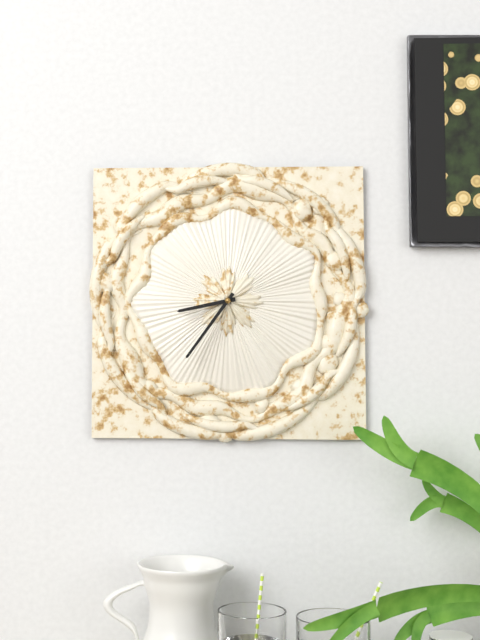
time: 8:36
